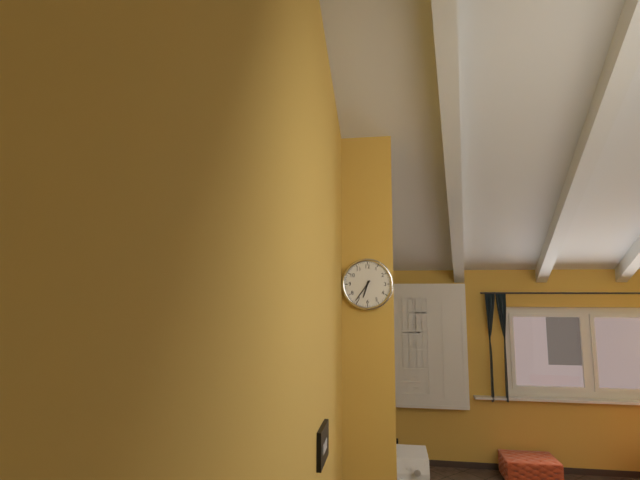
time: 6:36
